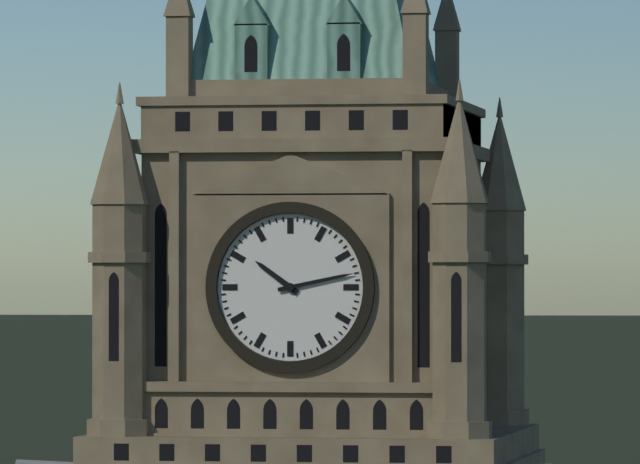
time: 10:13
